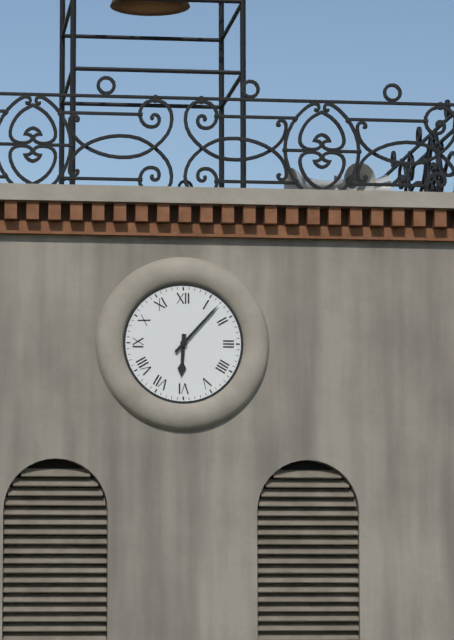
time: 6:07
